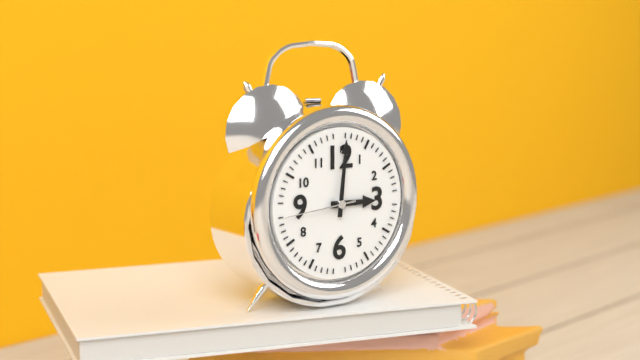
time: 3:01:44
